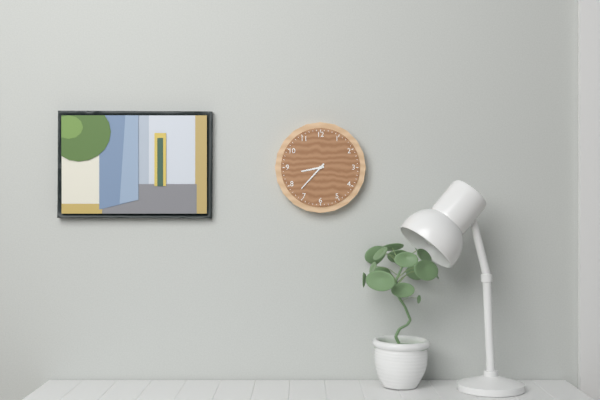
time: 8:37
